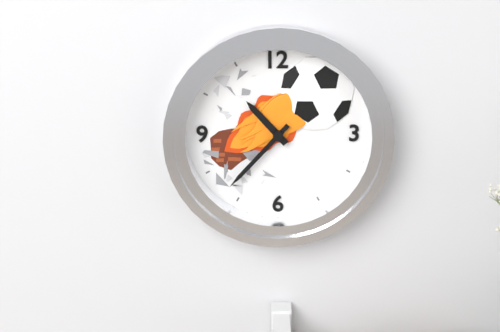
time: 10:37
